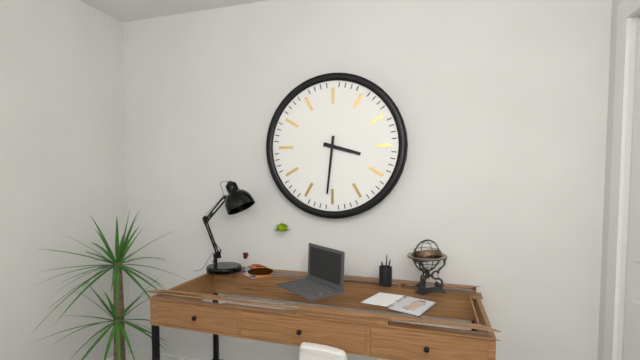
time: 3:31
